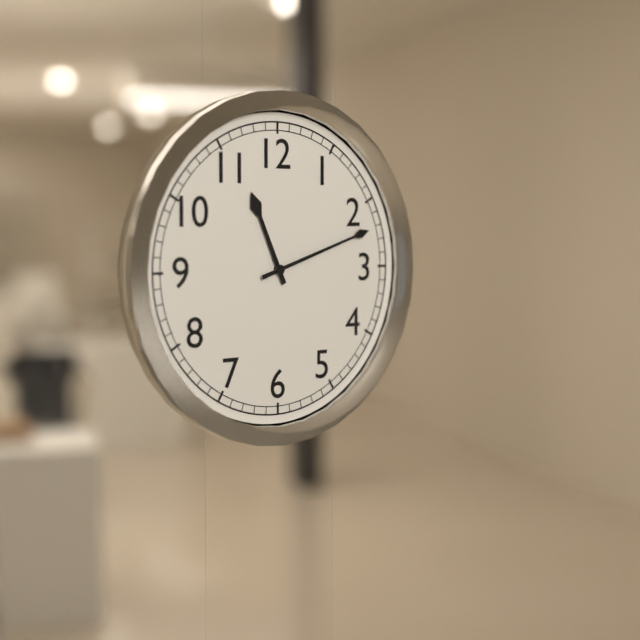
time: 11:12
